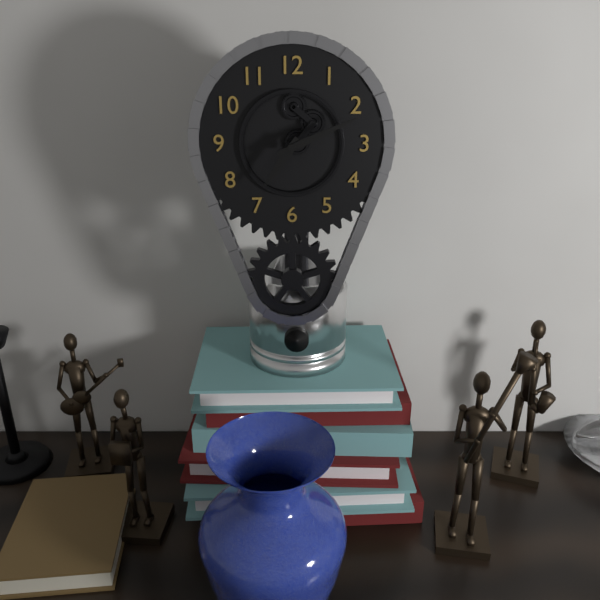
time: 7:11
